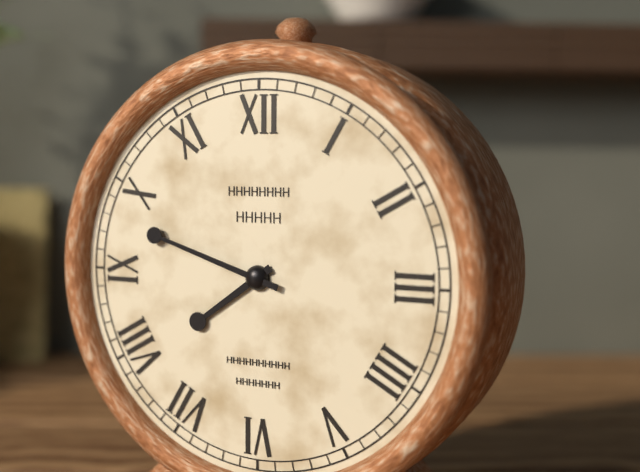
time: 7:48
